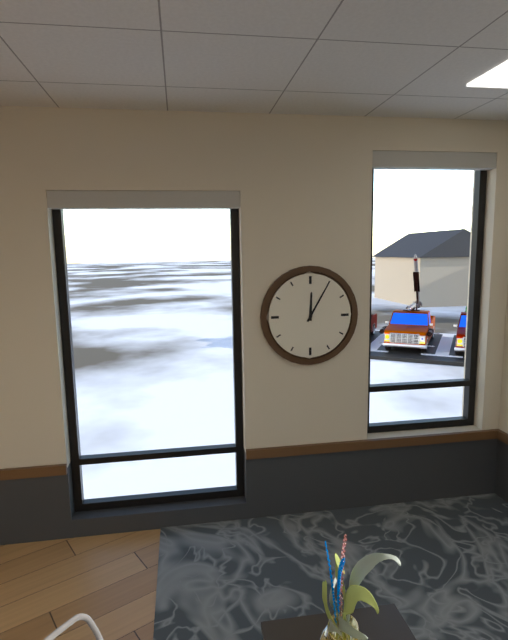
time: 12:05
